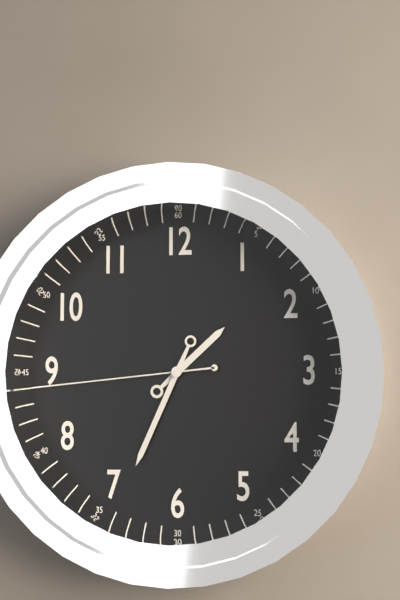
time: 1:34:44
